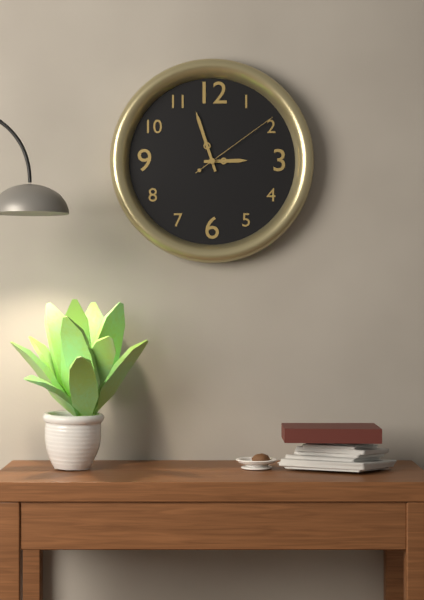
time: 2:57:09
